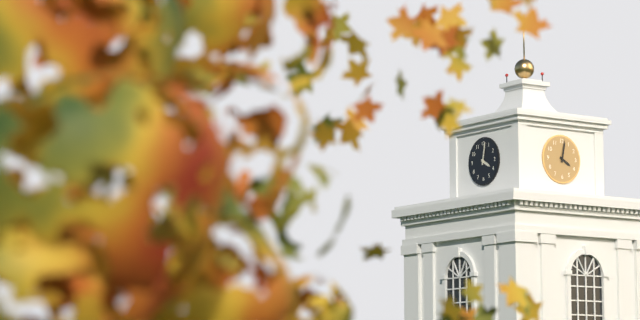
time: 4:02
